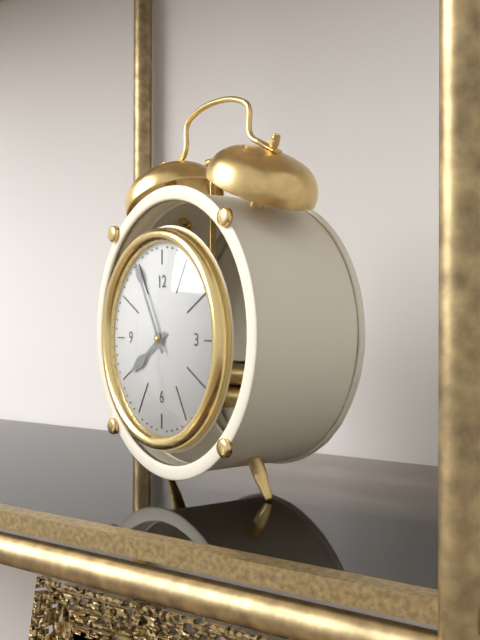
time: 7:55
